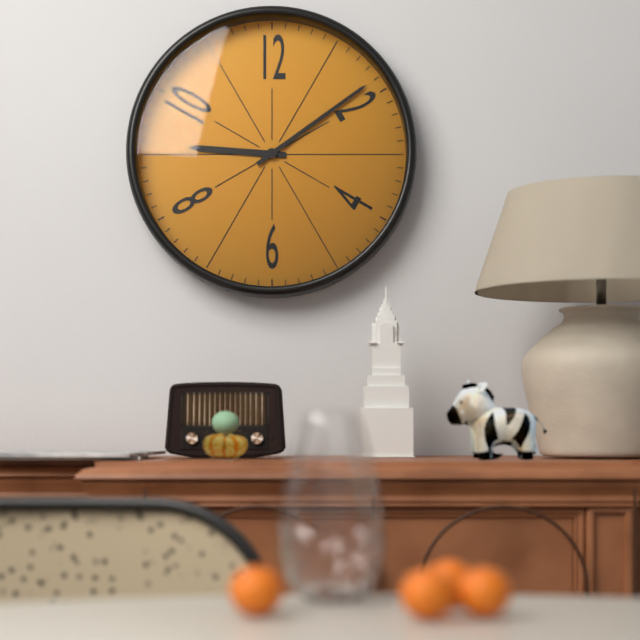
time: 9:09
